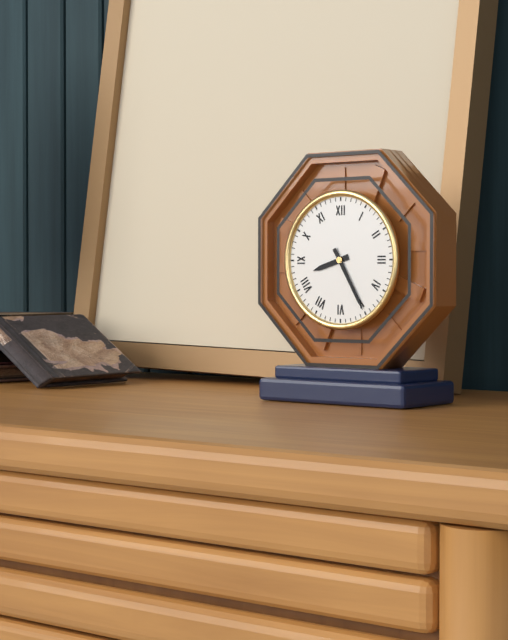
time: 8:25
